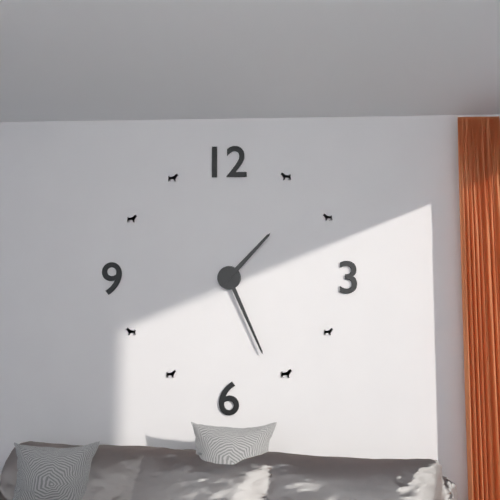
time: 1:26
